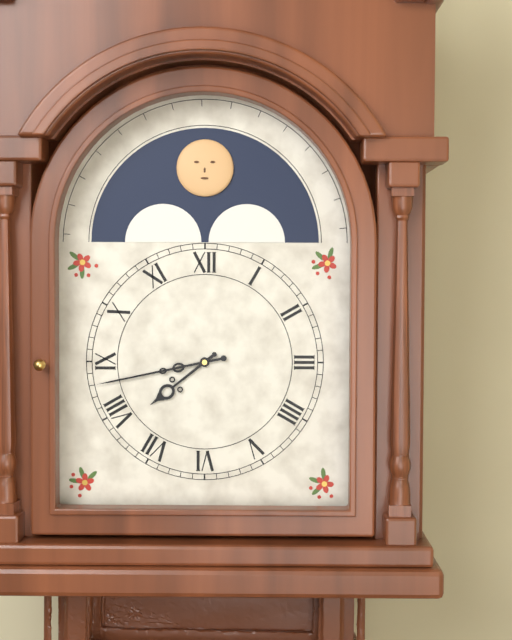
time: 7:43
